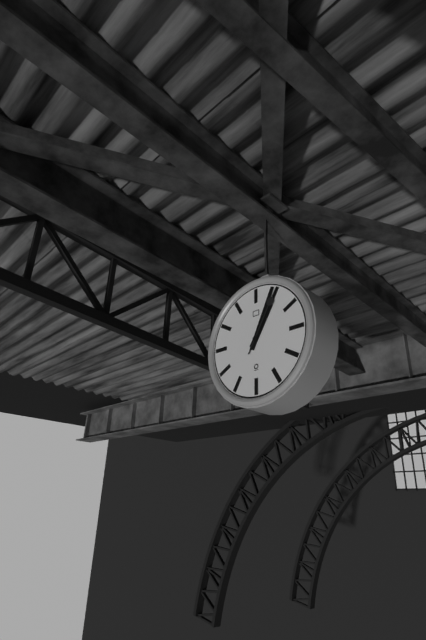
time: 1:04:05
